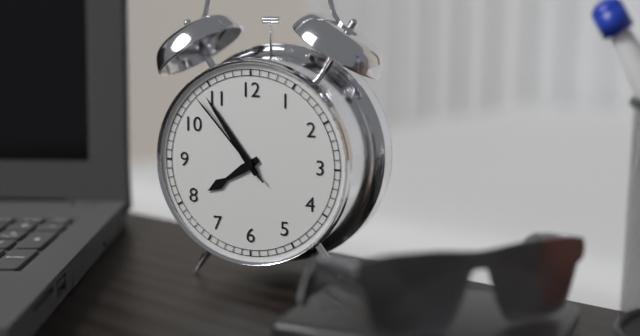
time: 7:54:53
